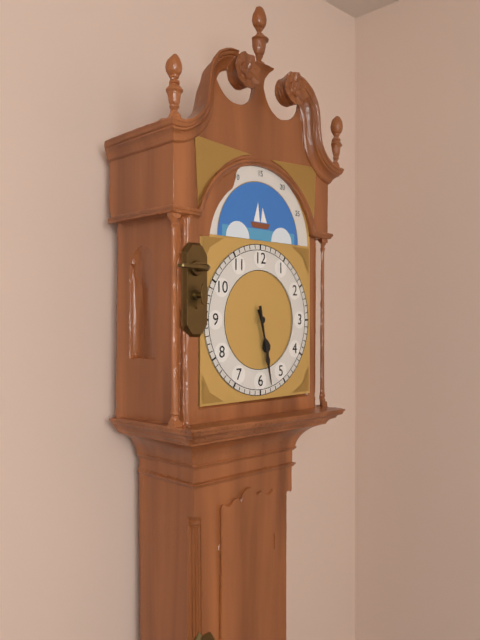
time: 5:28
